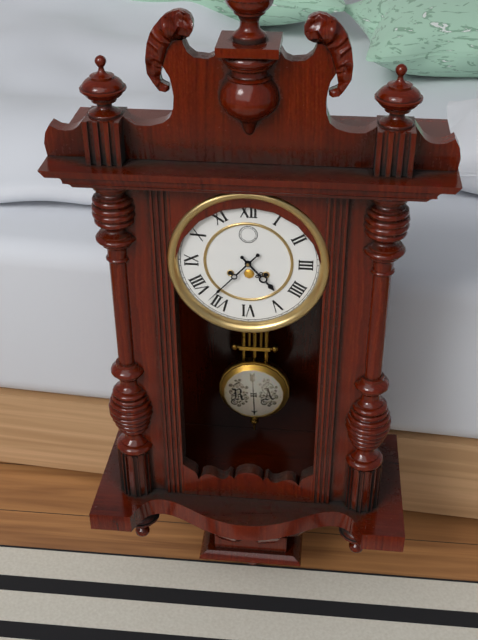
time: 4:37
